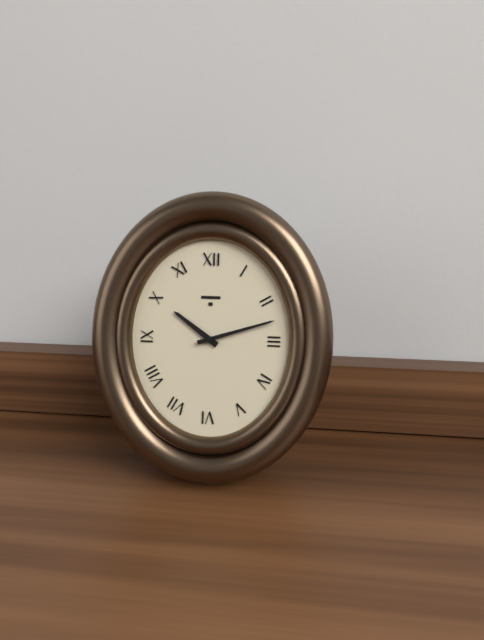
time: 10:12
